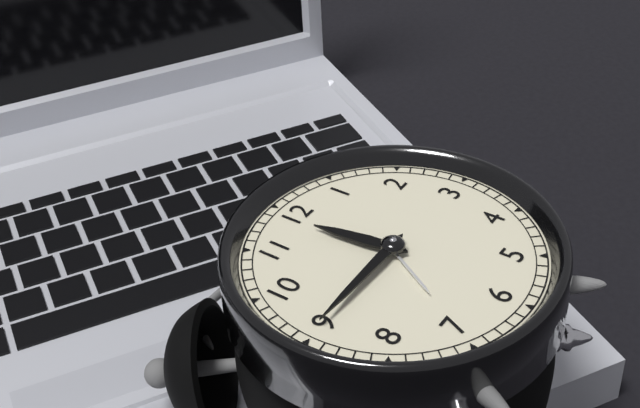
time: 11:45
